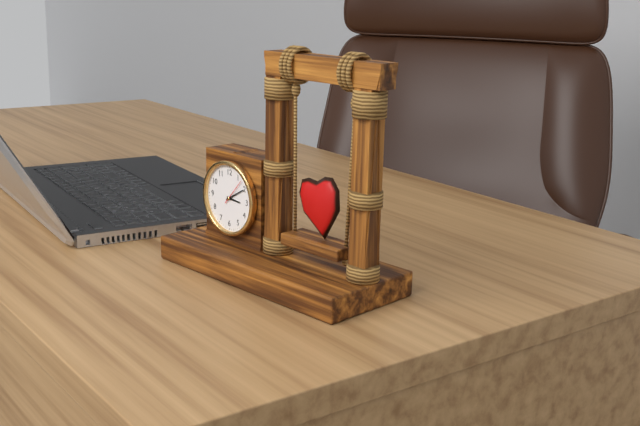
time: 3:10
